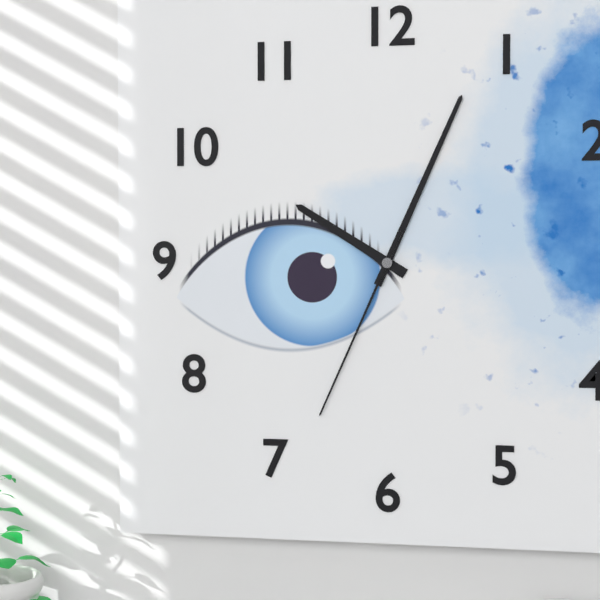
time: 10:04:34
